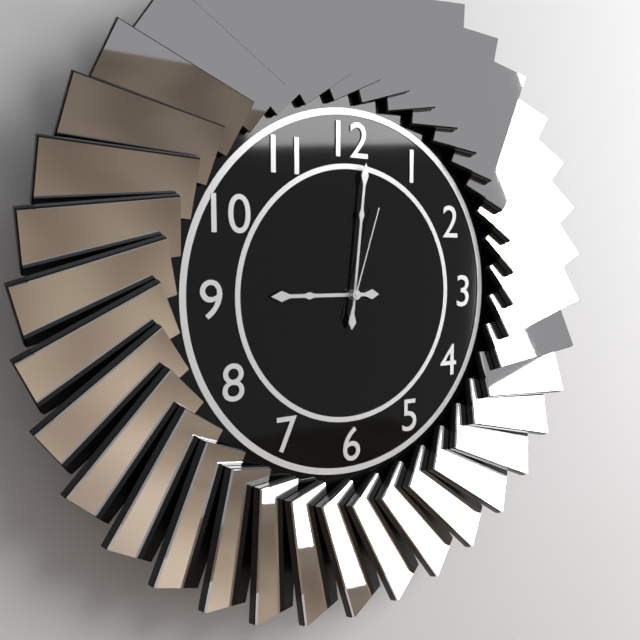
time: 9:01:03
